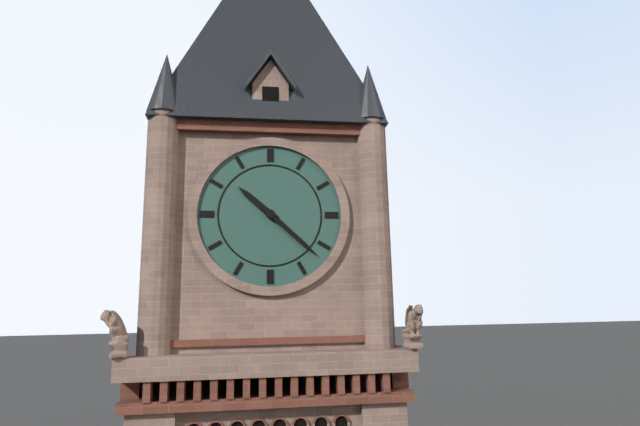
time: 10:22
